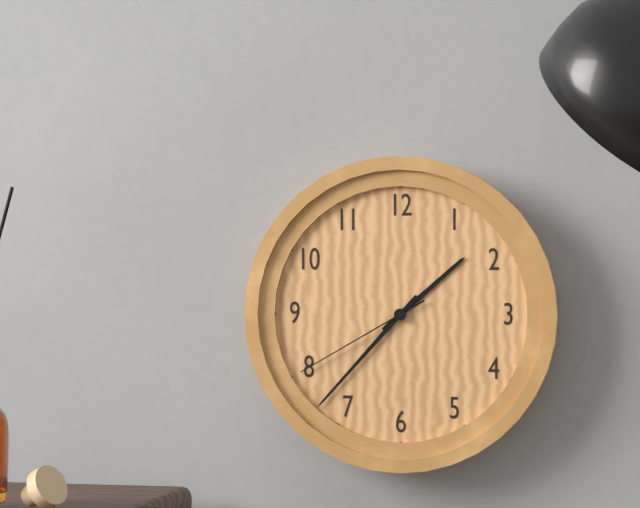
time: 1:37:40
